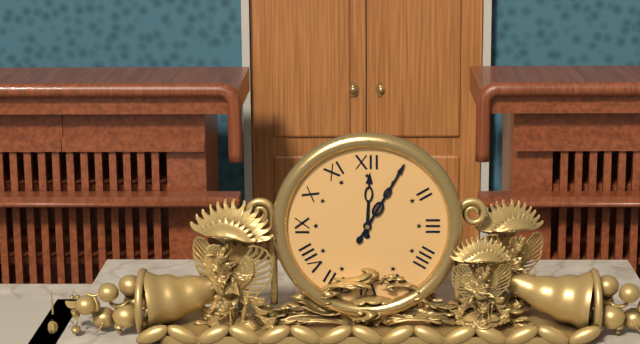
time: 12:05
